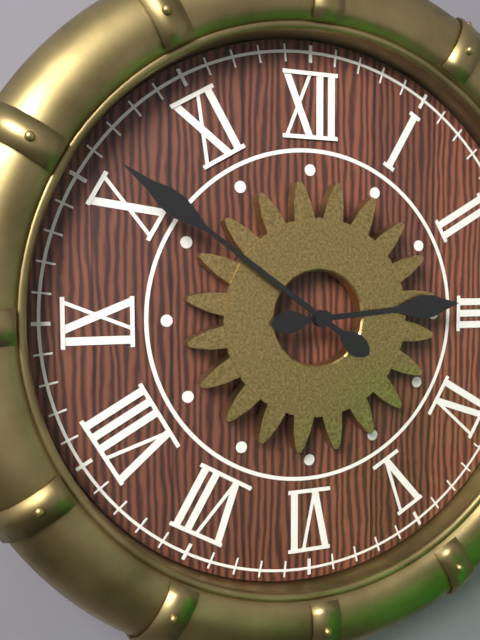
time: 2:51
